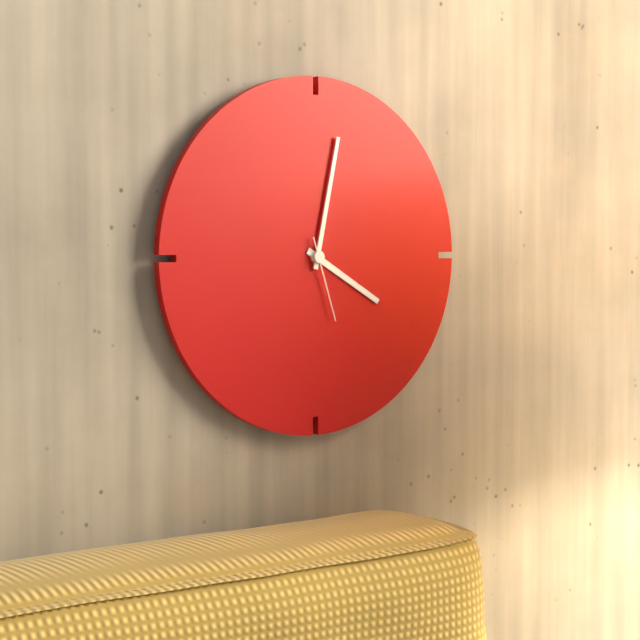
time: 4:02:27
